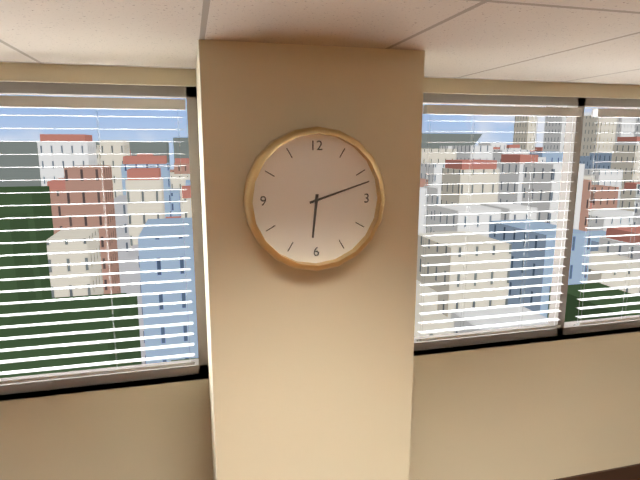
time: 6:12
